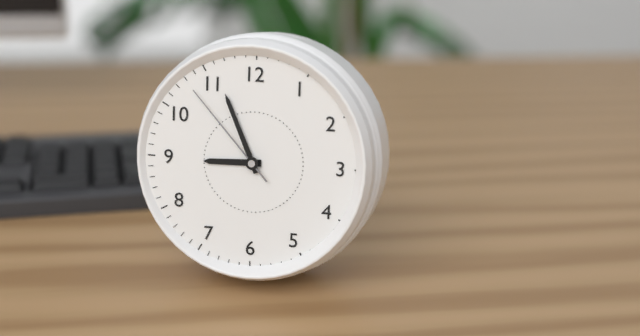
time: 8:56:53
